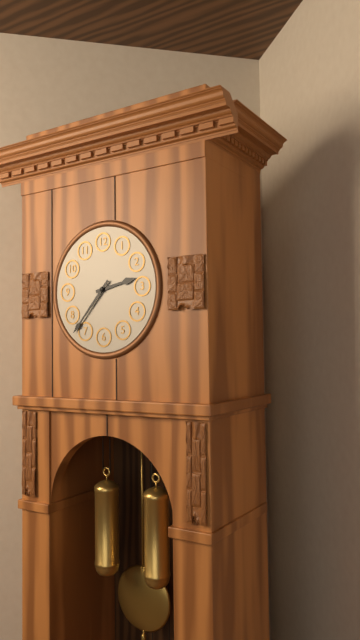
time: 2:37
